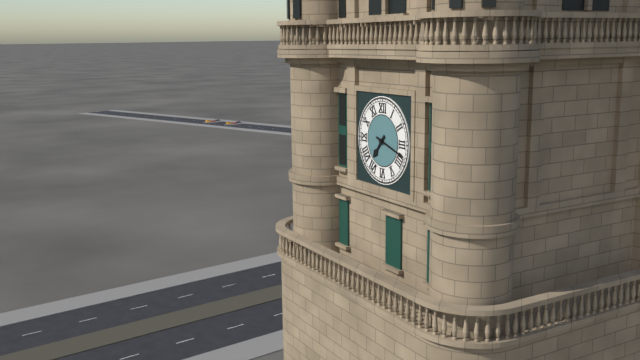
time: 7:18
